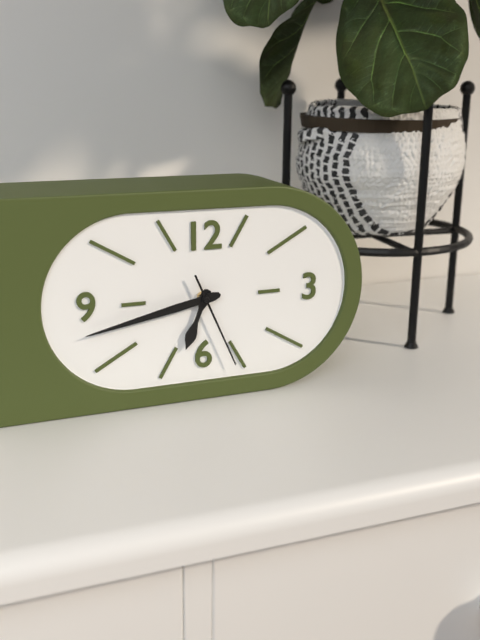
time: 6:43:26
